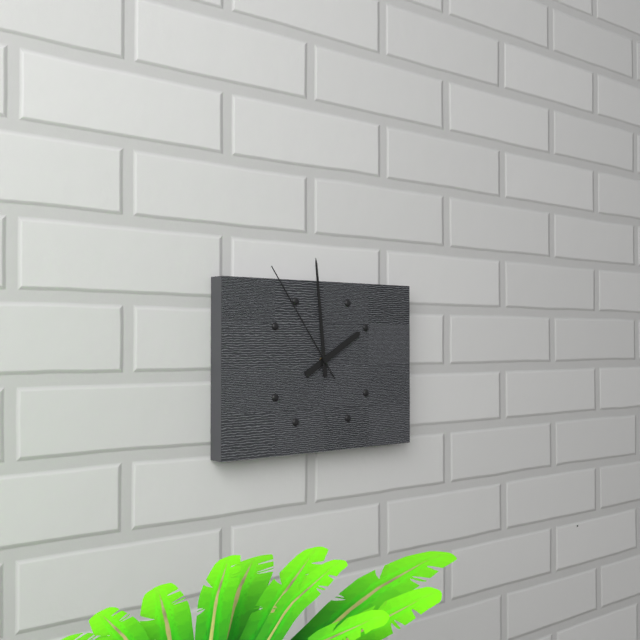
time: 1:59:54
